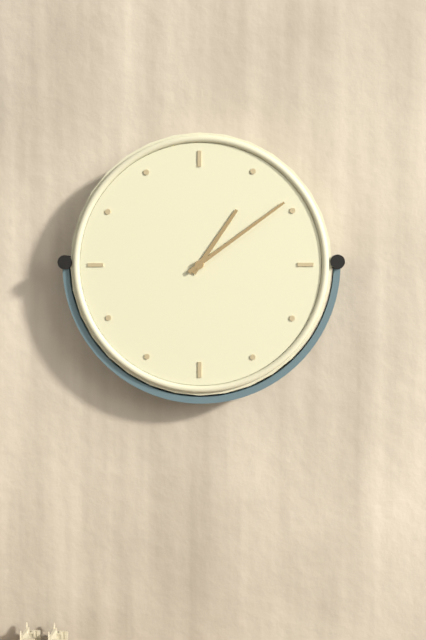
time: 1:09
